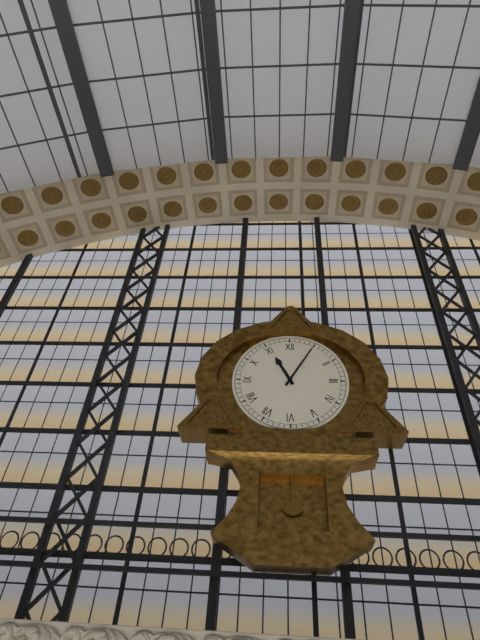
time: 11:05
